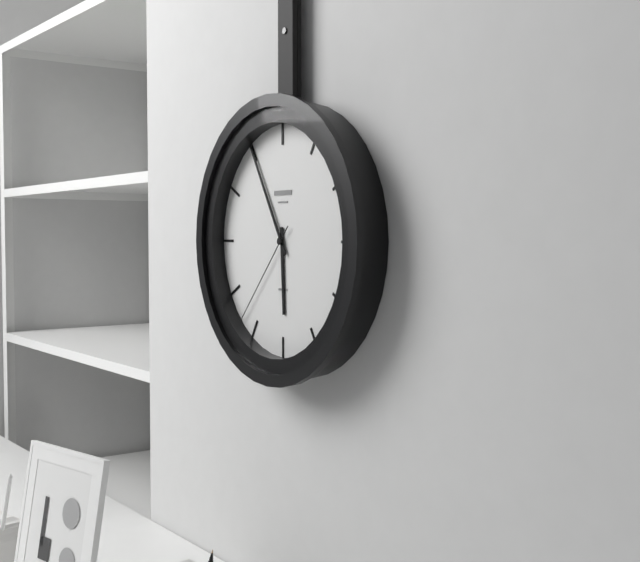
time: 5:55:37
